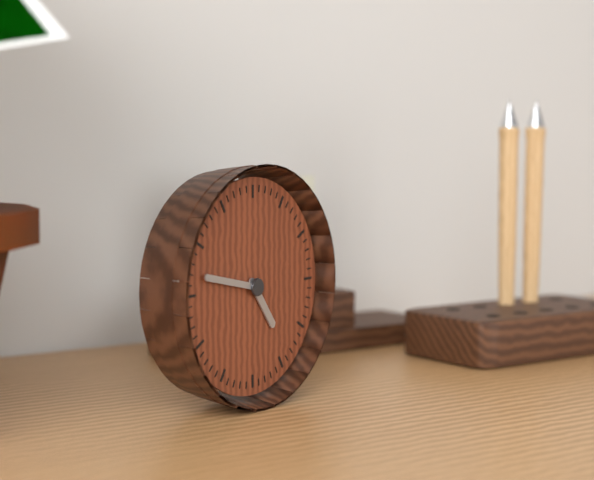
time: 4:47
